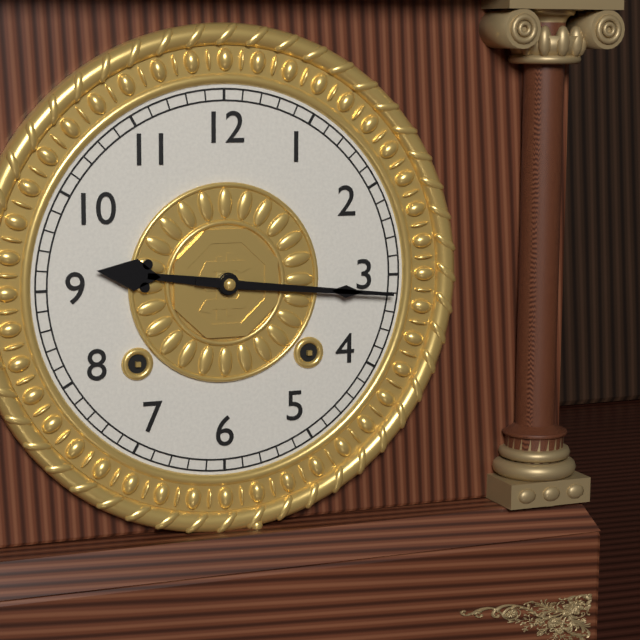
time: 9:16
